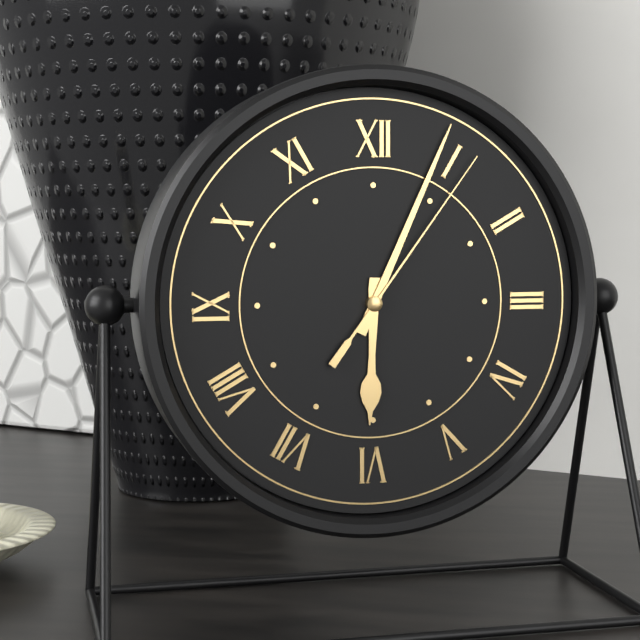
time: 6:04:06
